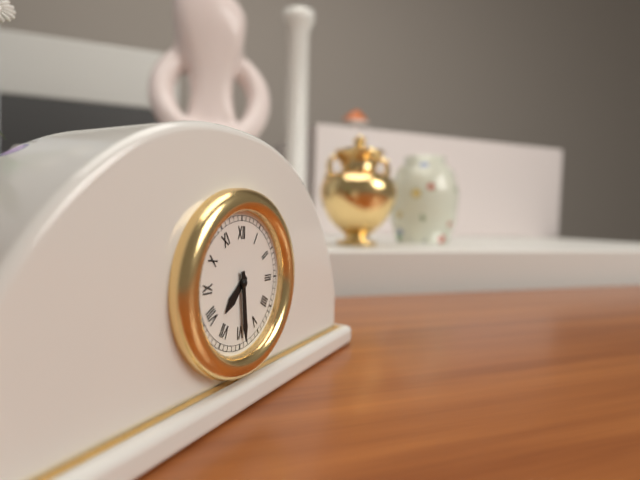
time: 7:29
